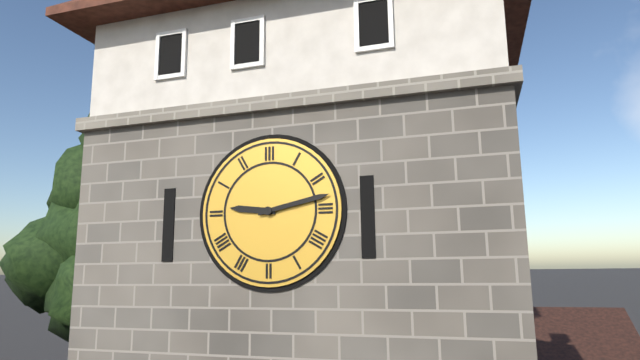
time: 9:13
